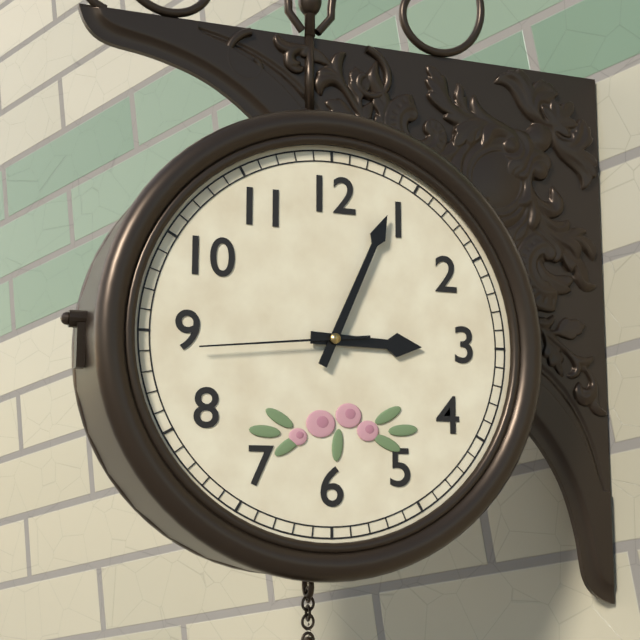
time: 3:04:44
